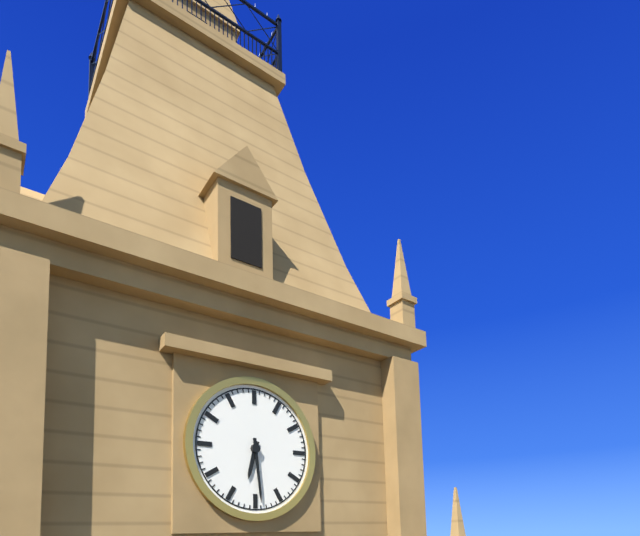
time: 6:29
